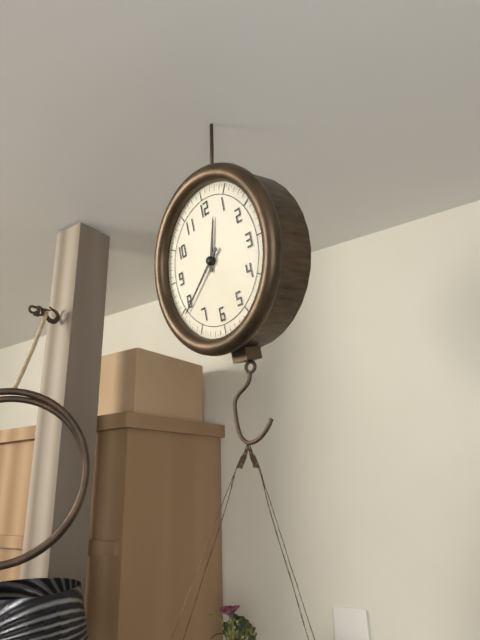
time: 12:39
